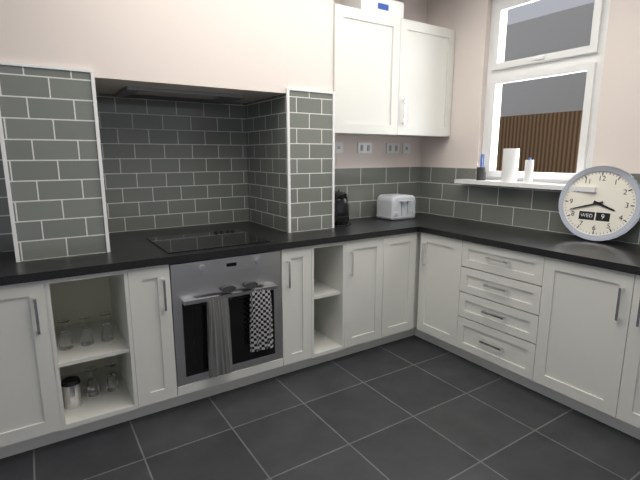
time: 3:42
